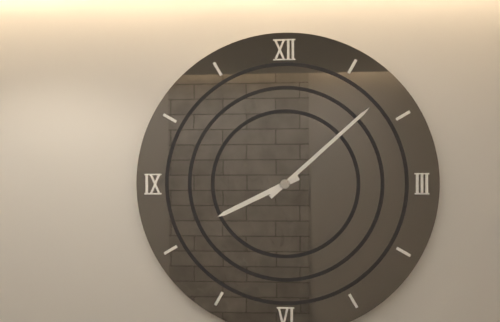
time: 8:08
